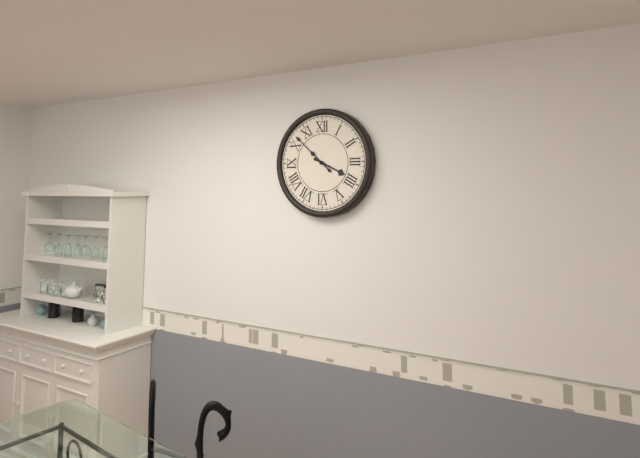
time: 3:52
